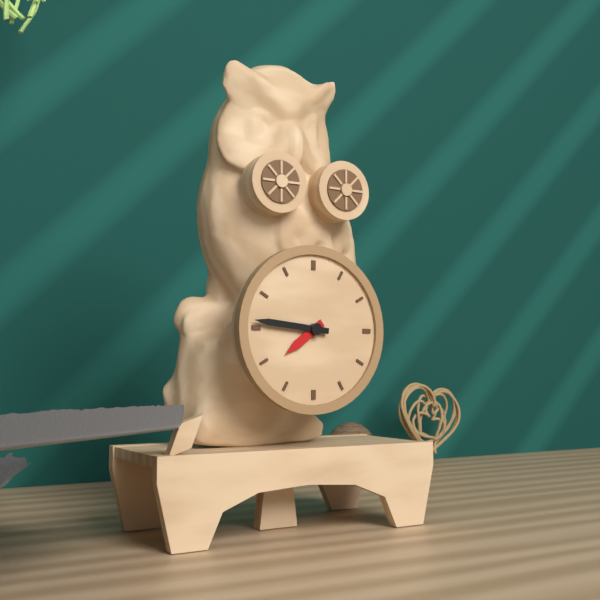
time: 7:46
